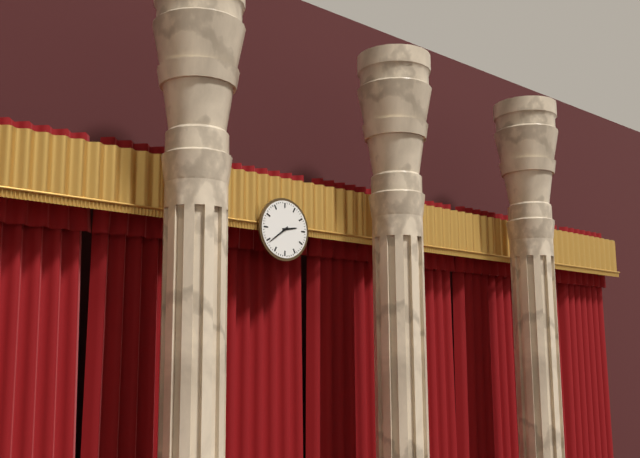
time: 2:39
